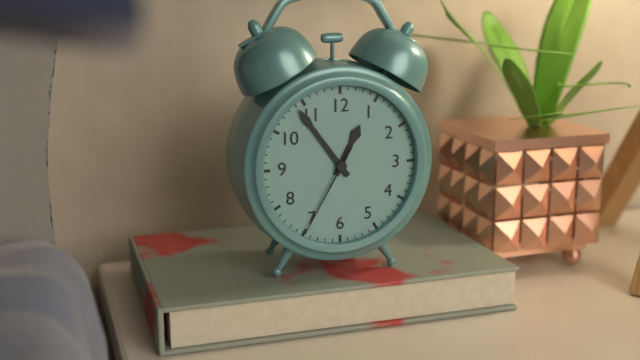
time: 12:54:35
